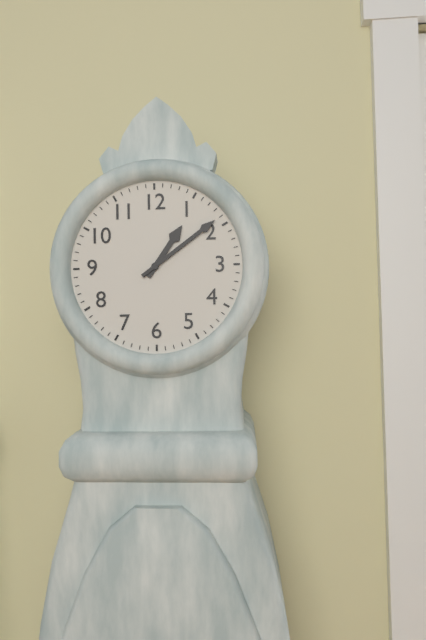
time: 1:09
